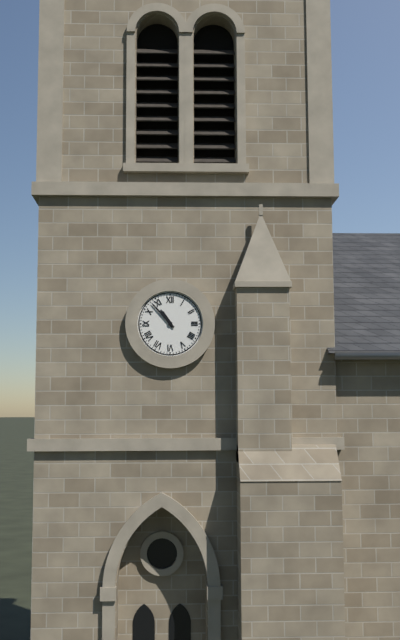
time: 10:53
